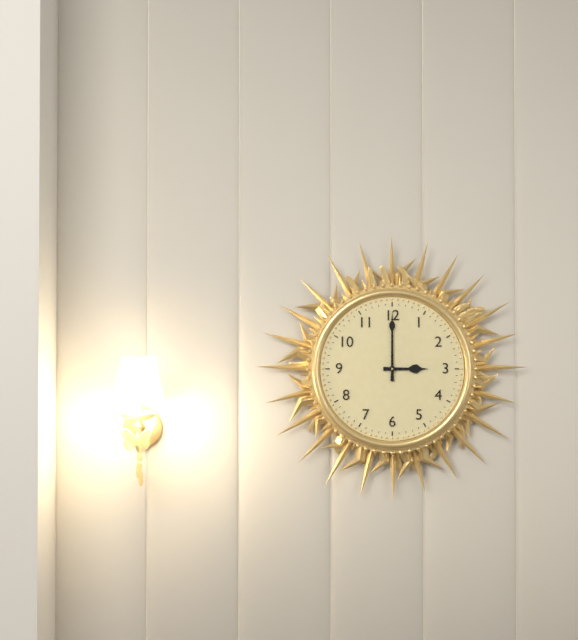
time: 3:00
